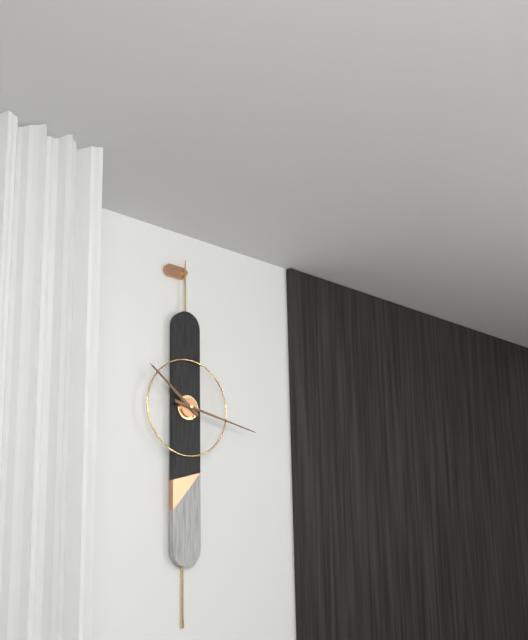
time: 10:17
